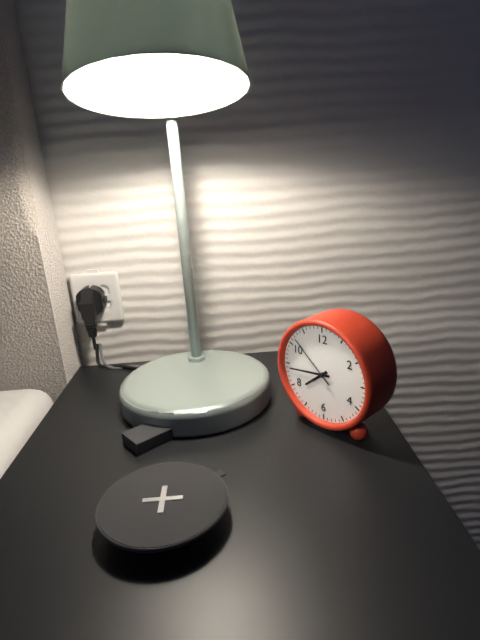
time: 7:44:52
